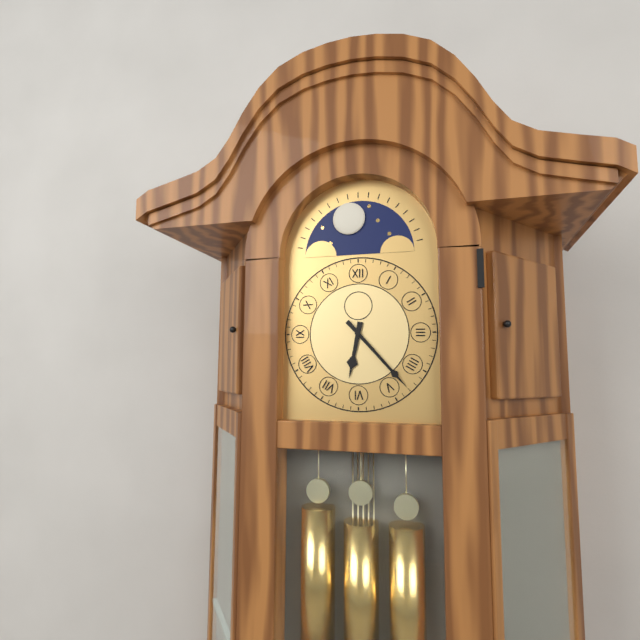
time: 6:23
